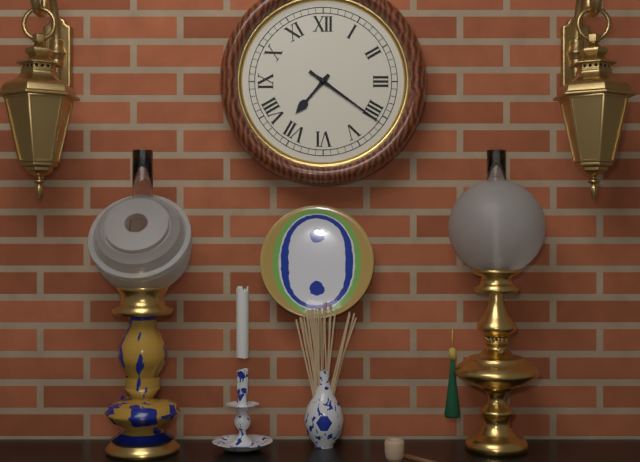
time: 7:21
